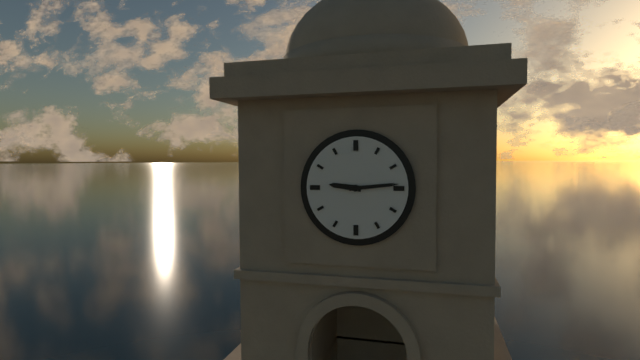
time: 9:14
